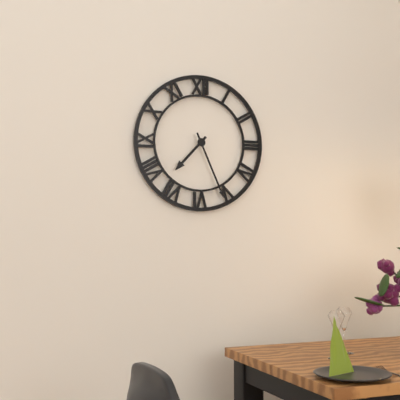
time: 7:26
